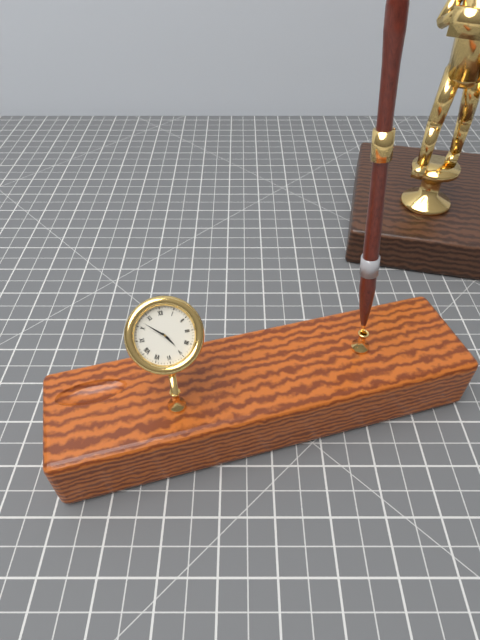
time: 4:52
